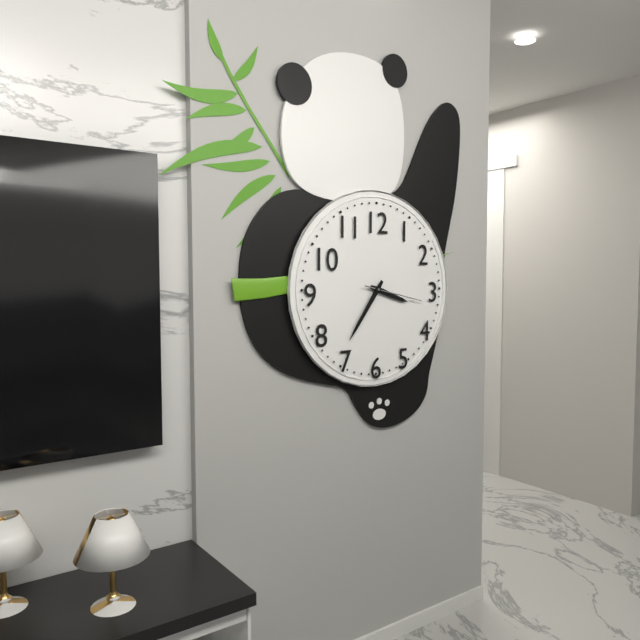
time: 3:36:17
